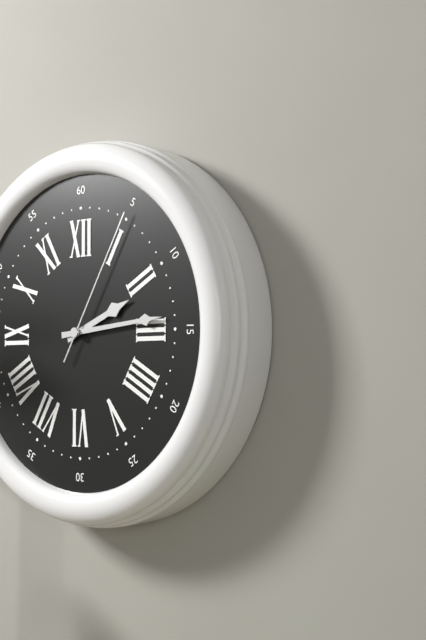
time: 2:14:05
